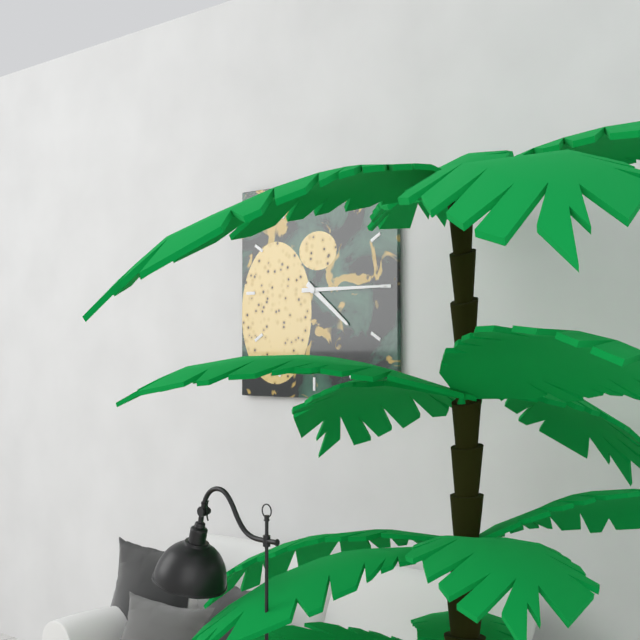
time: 4:15
